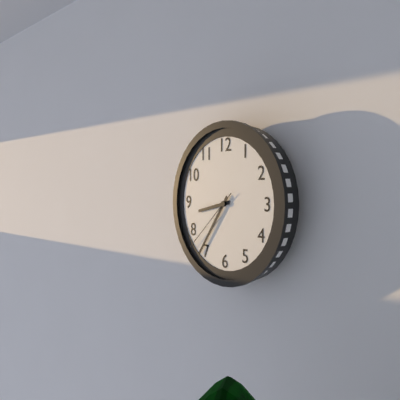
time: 8:36:38
